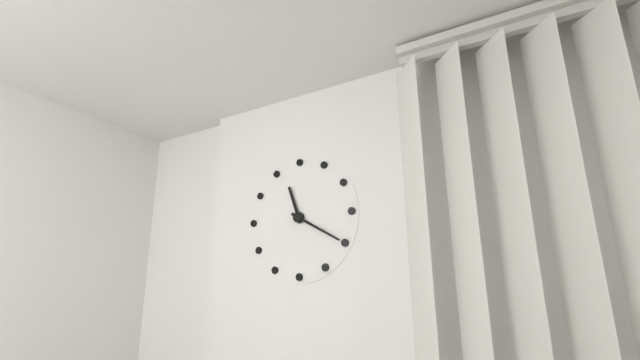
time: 11:20
